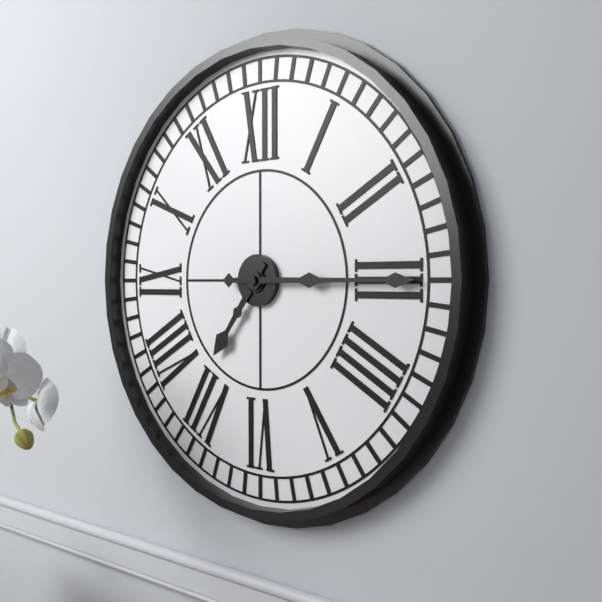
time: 7:15
